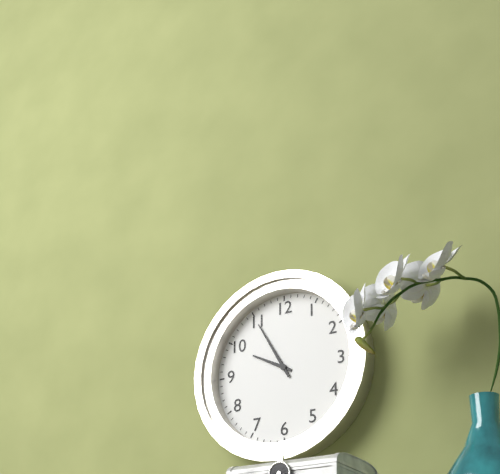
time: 9:55
